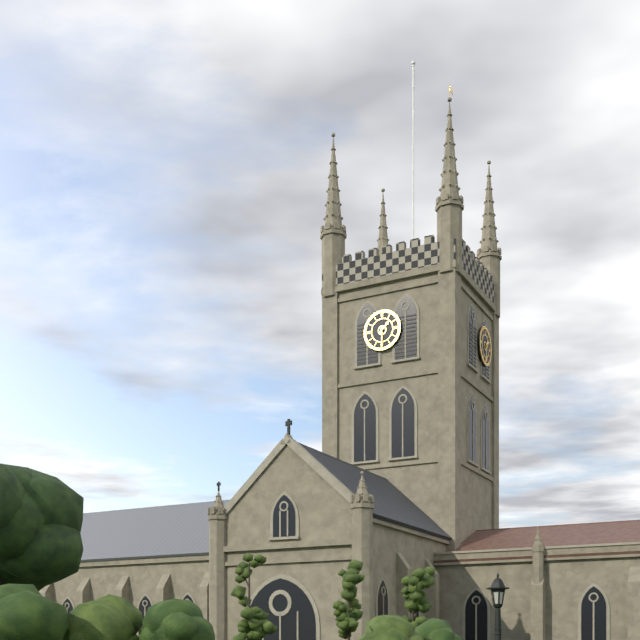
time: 1:30
